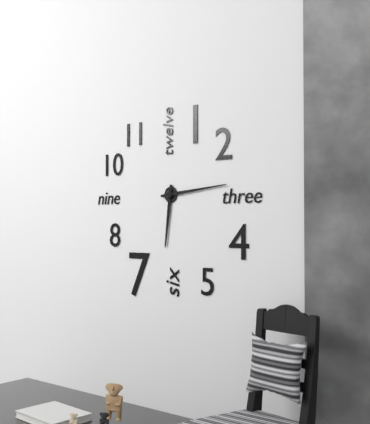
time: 6:14
